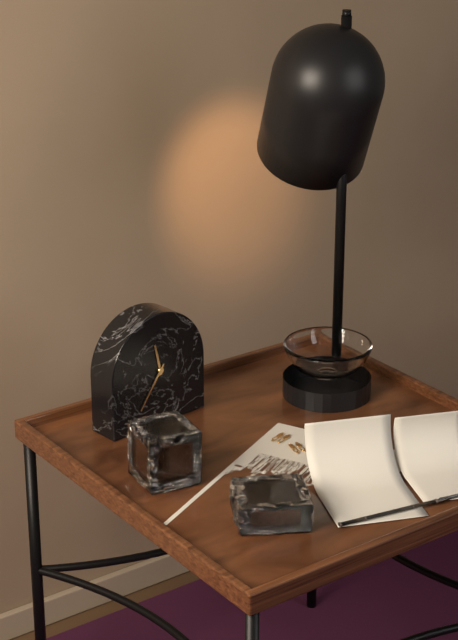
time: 11:36
